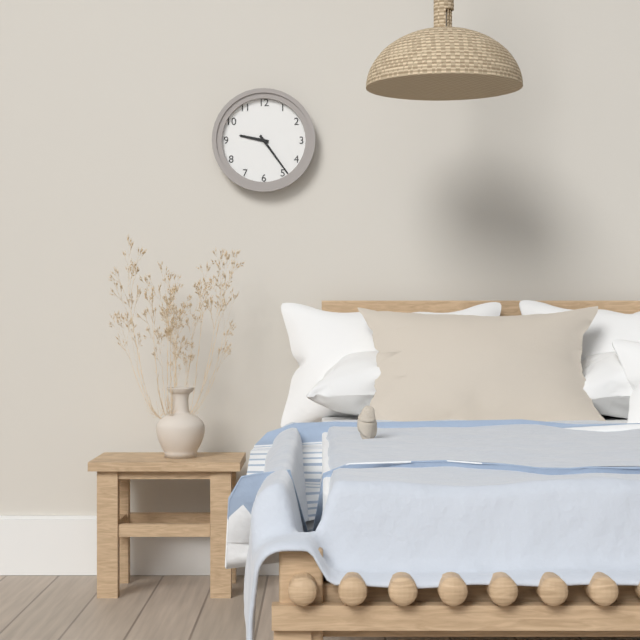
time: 9:24
